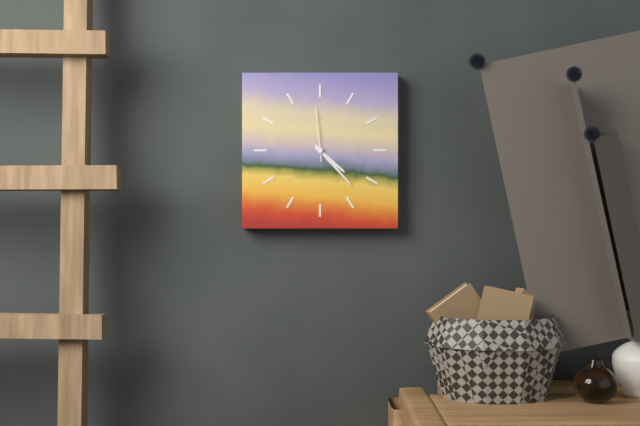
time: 4:23:59
